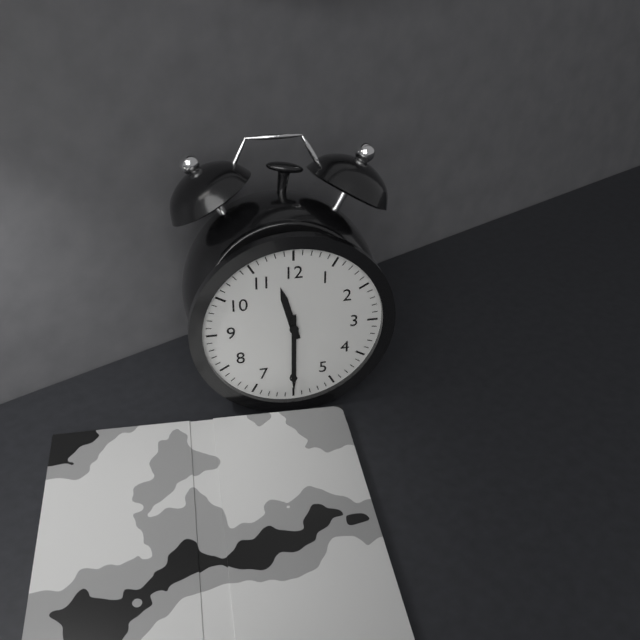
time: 11:30
